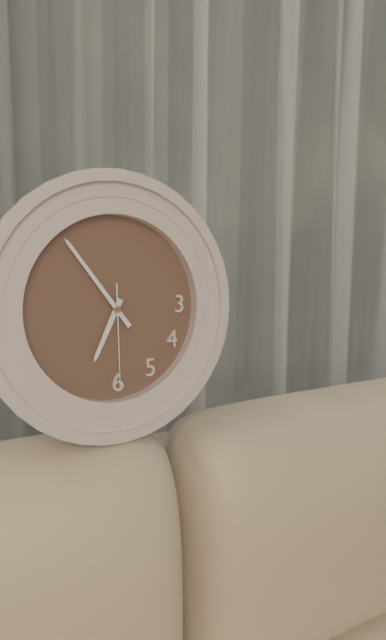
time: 6:54:30
